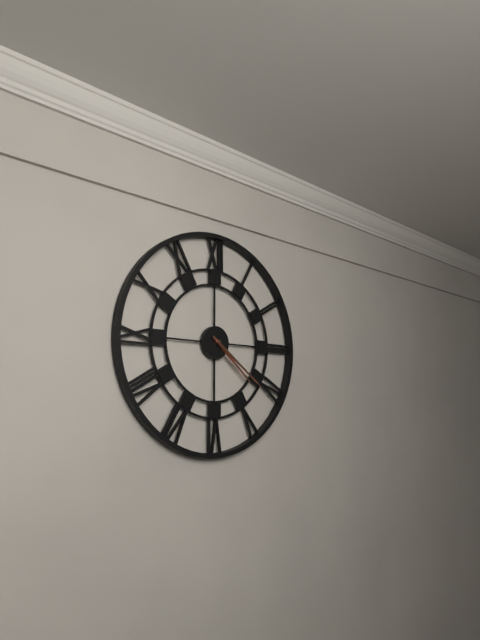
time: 4:21
